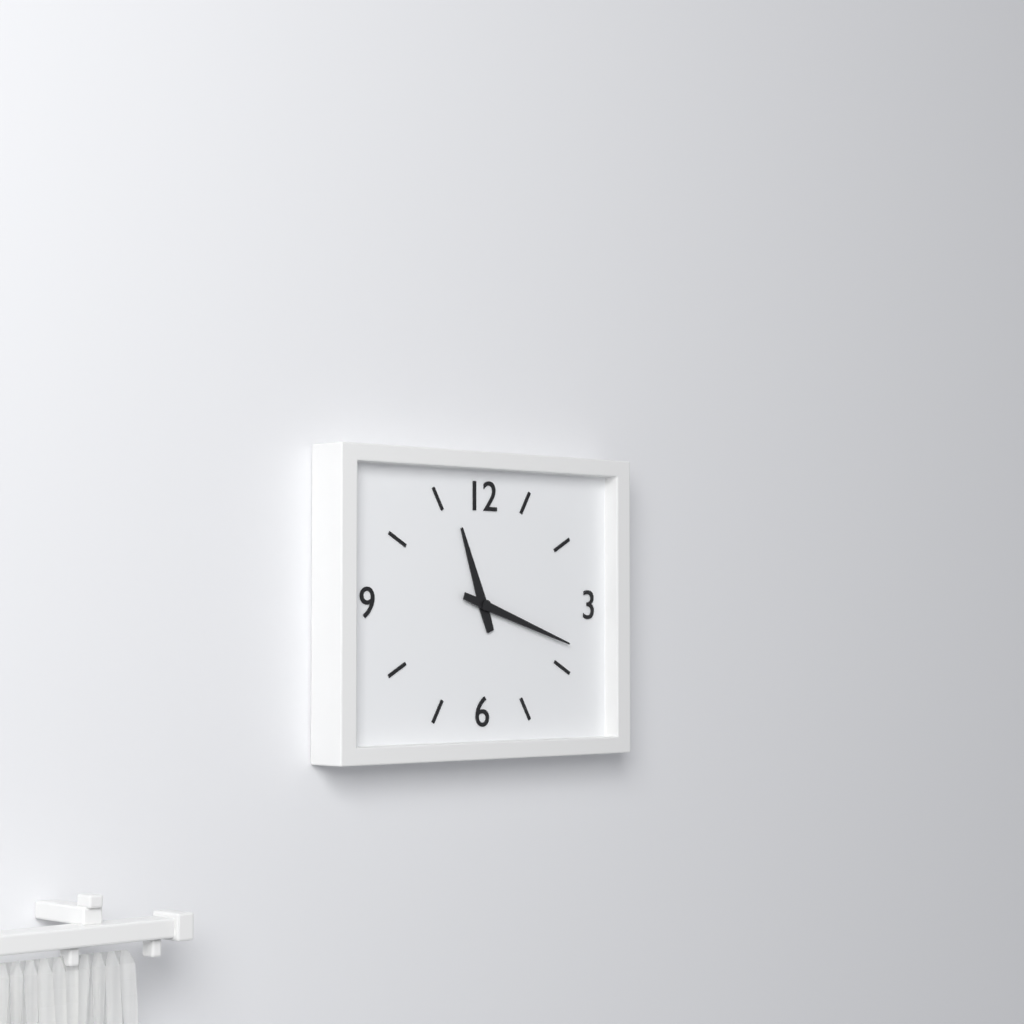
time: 11:18
